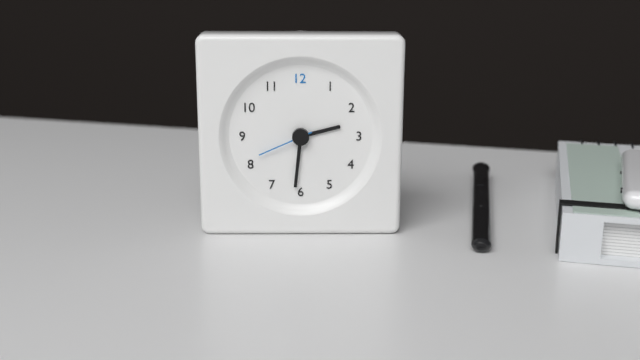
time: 2:31:41
